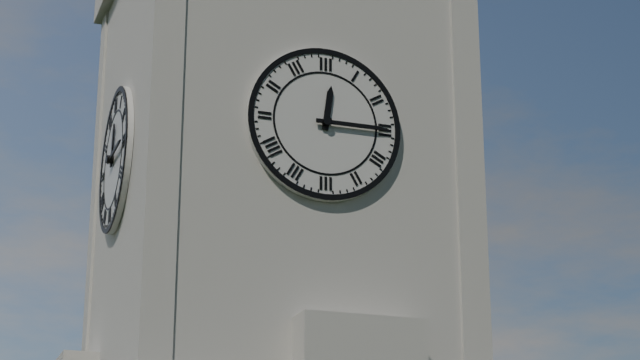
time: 12:15
